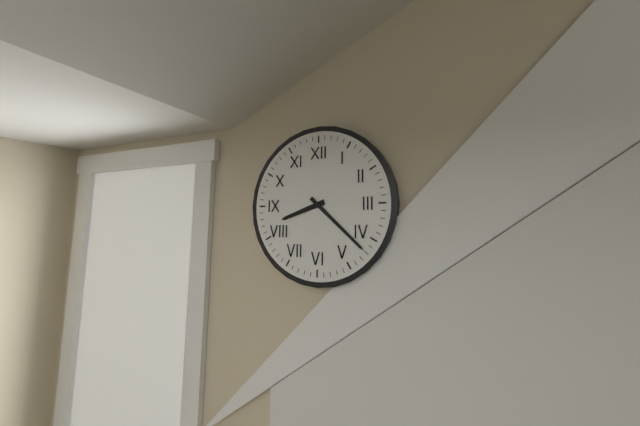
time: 8:22
